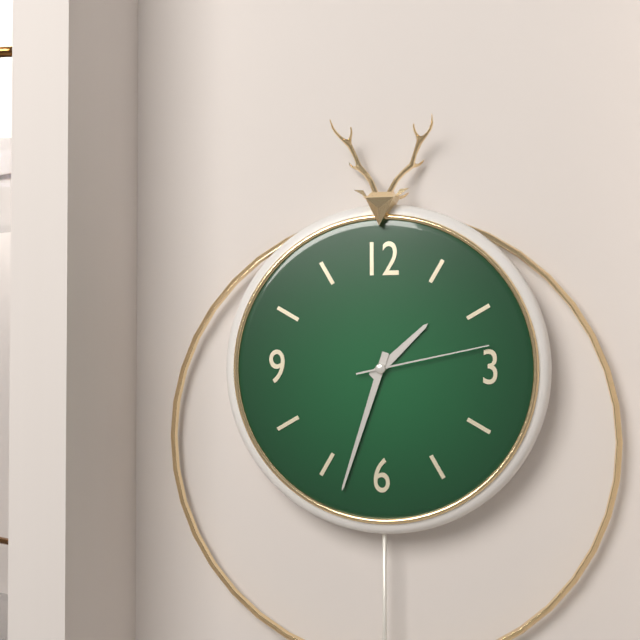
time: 1:33:13
